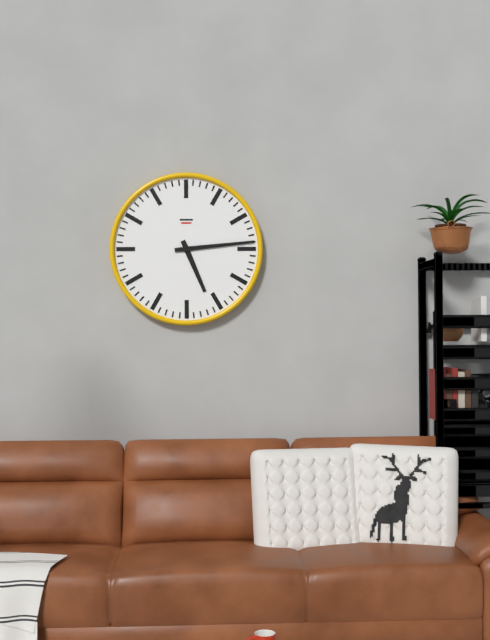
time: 5:14
